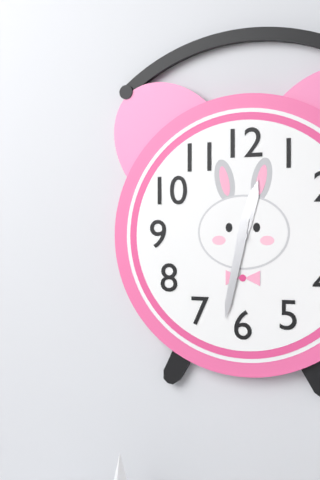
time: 12:32
